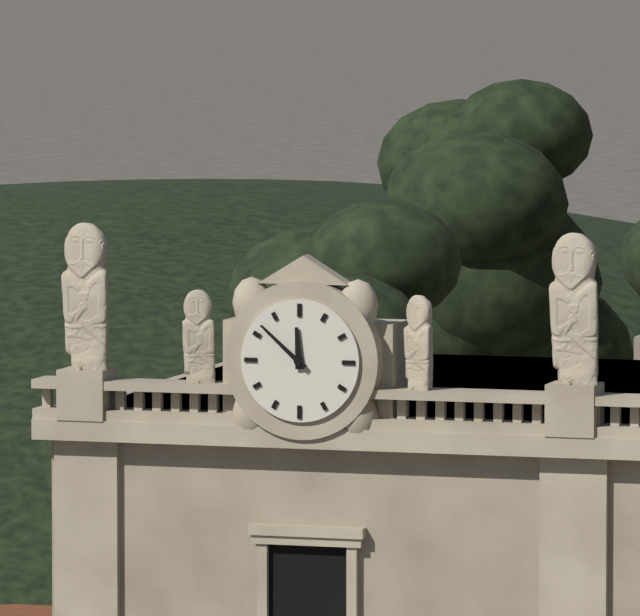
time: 11:52
